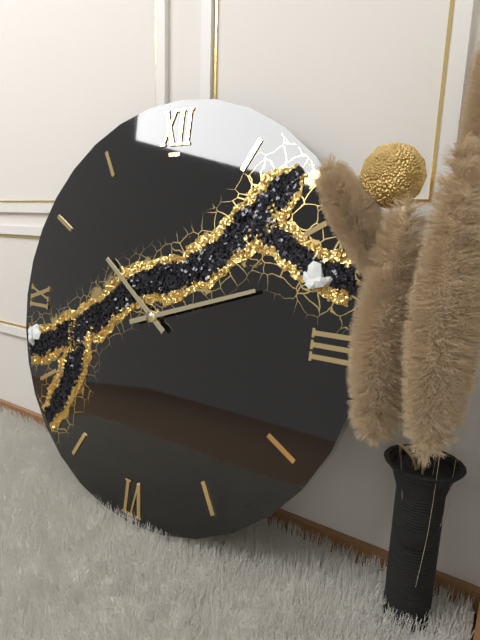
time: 10:12
